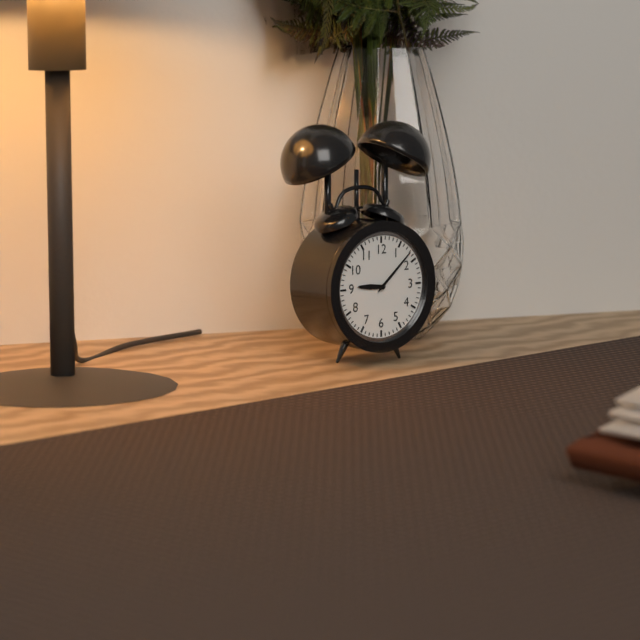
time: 9:08
